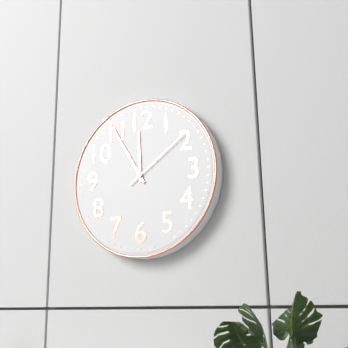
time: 11:55:09
